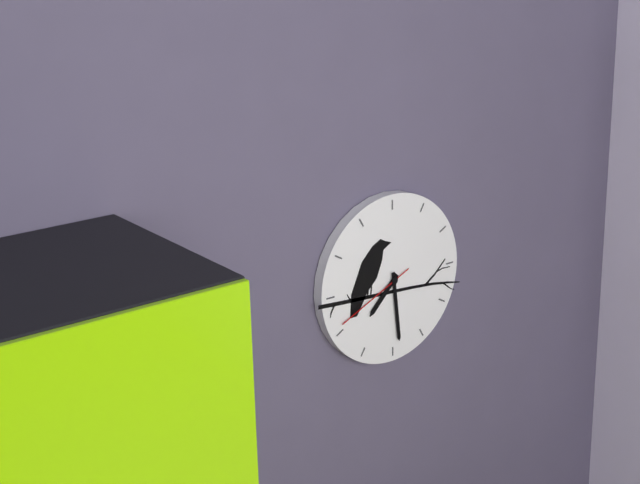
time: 7:29:41
